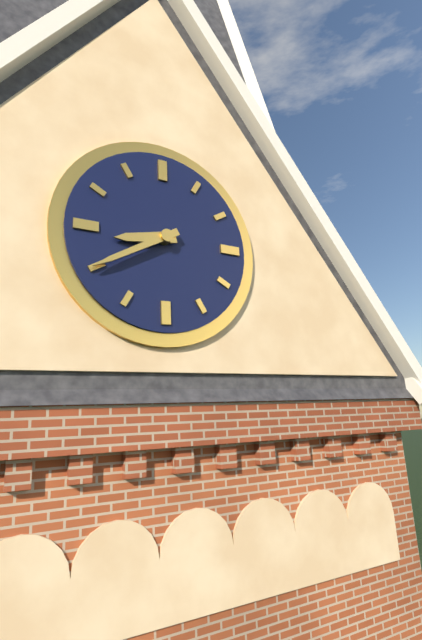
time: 8:40
